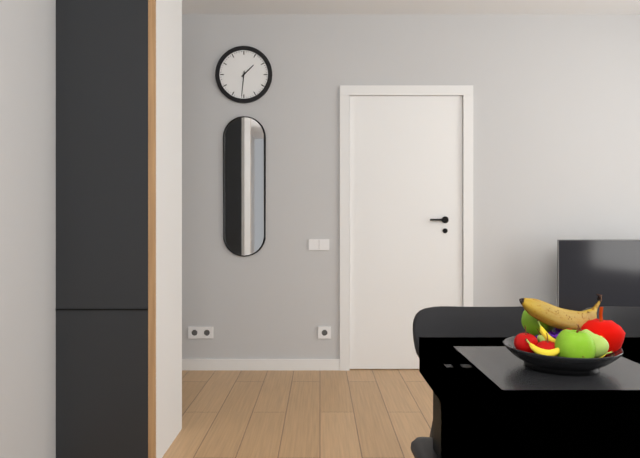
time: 1:31
